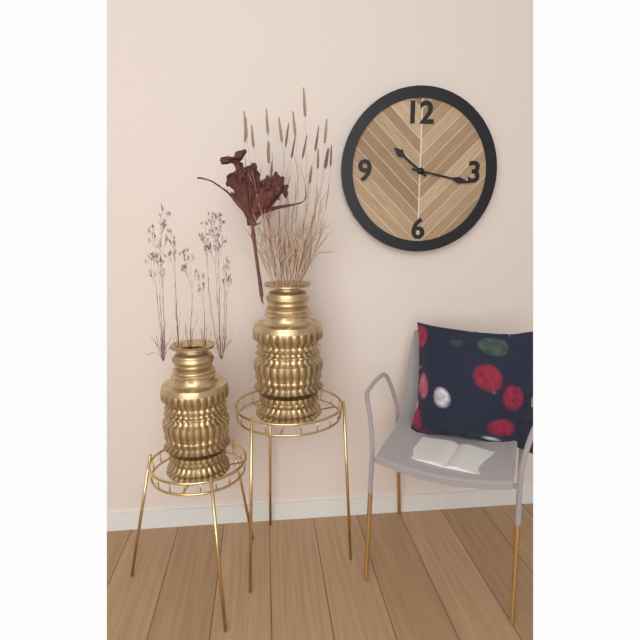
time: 10:17
